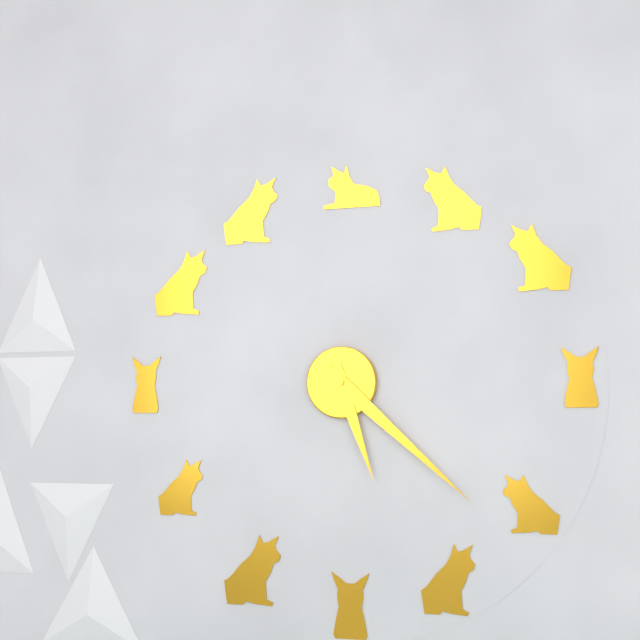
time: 5:22
